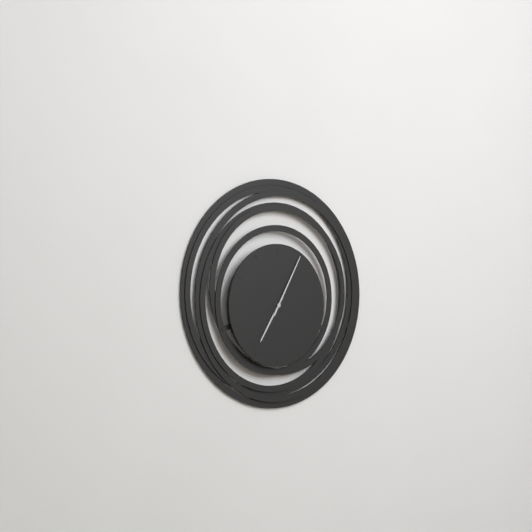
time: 7:05
